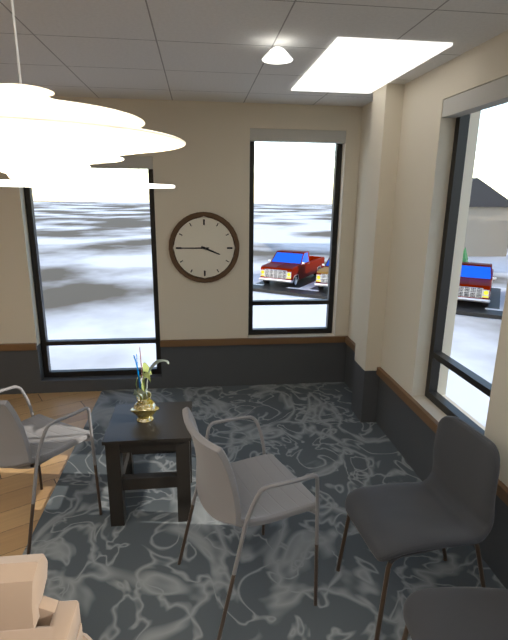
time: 3:45
